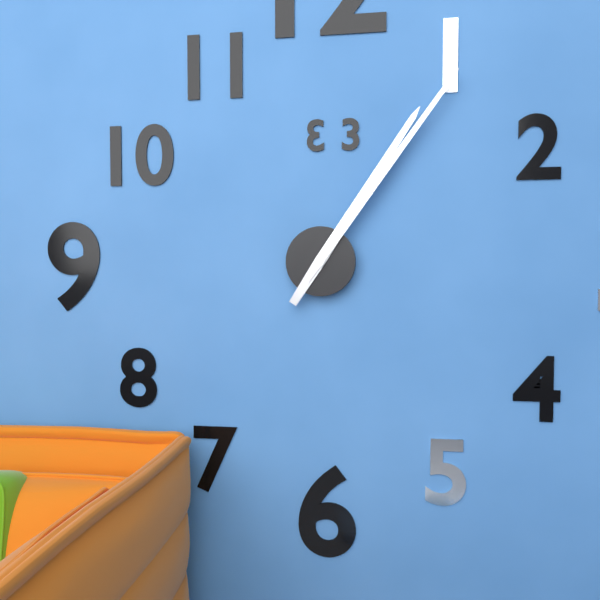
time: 1:06
